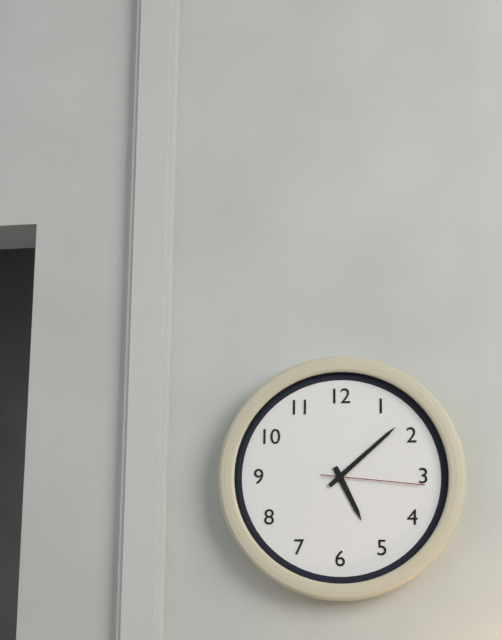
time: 5:08:16
